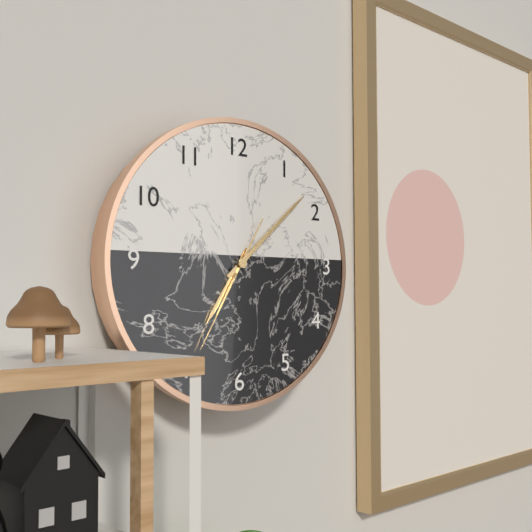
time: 7:08:35
